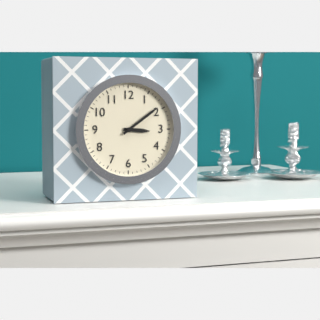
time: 3:09
